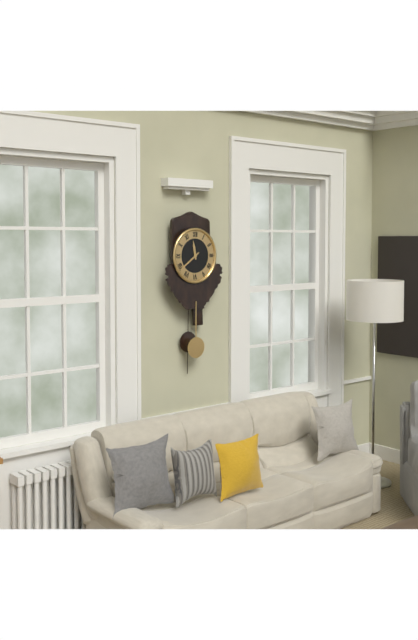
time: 11:39
